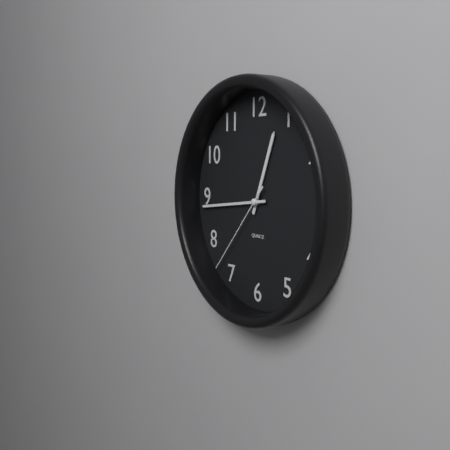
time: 12:44:37
